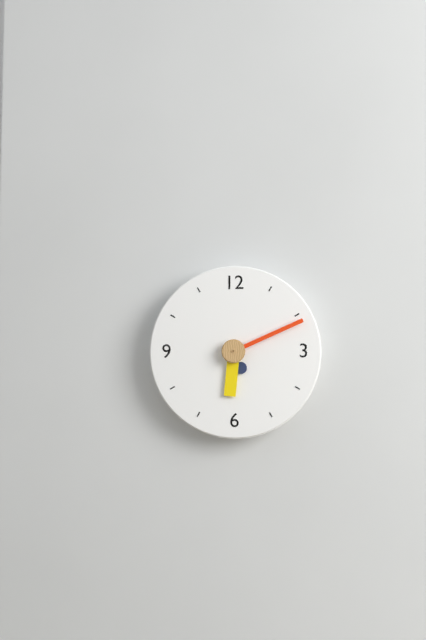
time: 6:11
